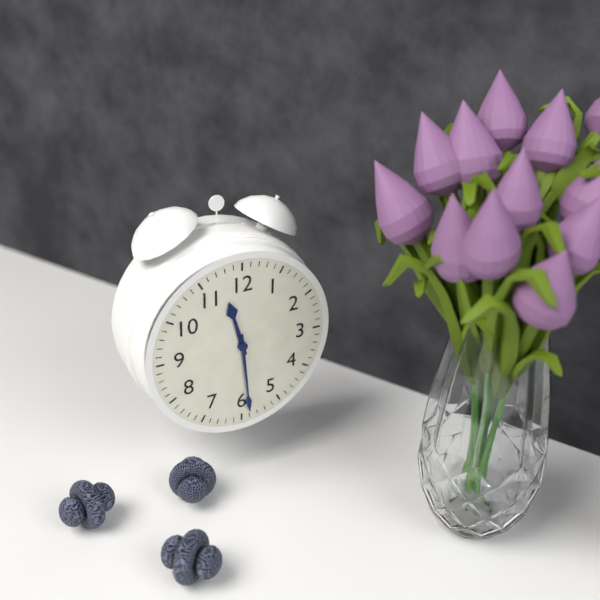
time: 11:29
